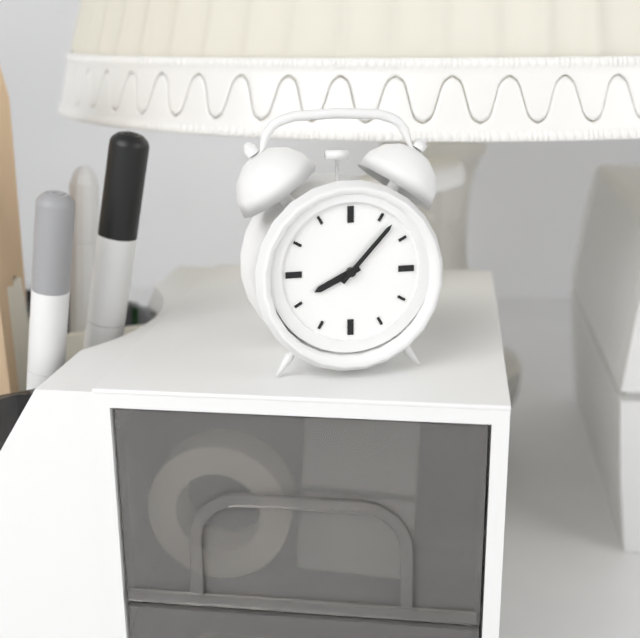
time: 8:07
